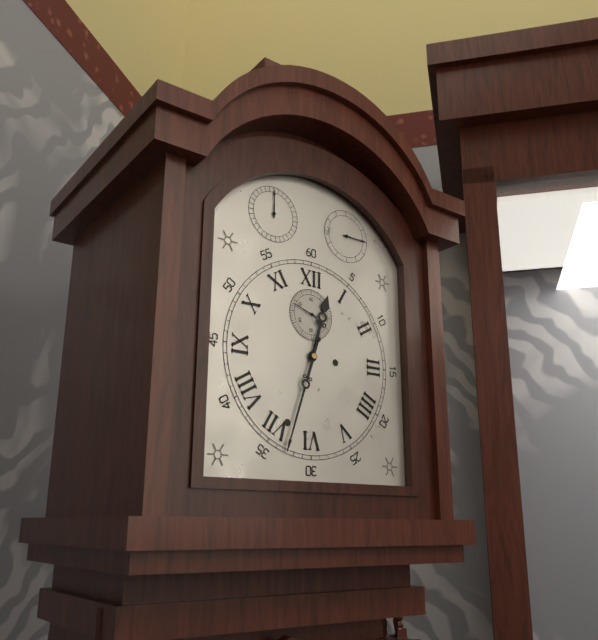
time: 12:33
